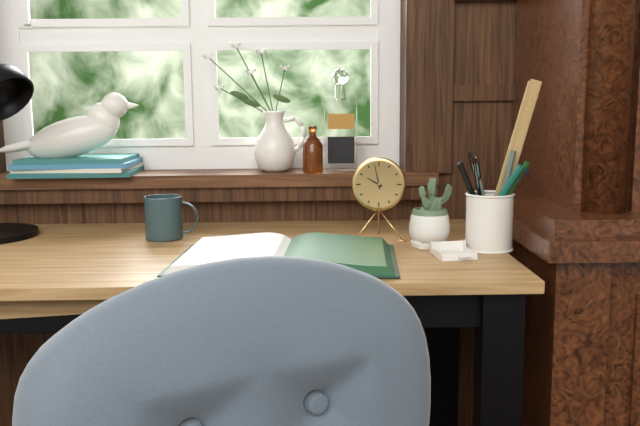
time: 9:58
